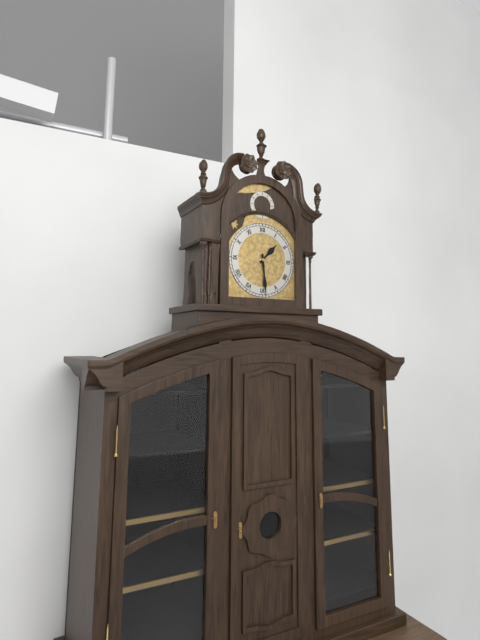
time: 1:29
